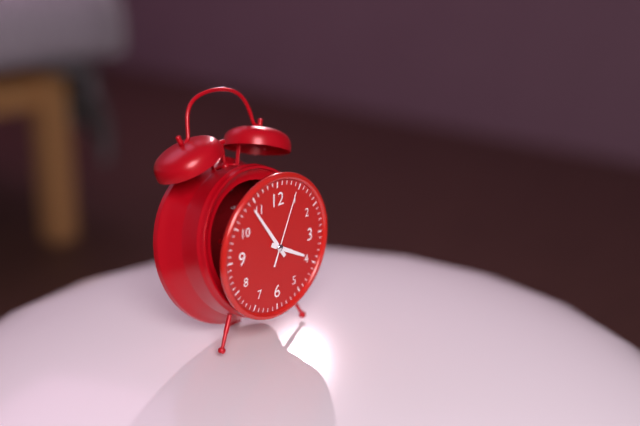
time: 3:54:04
